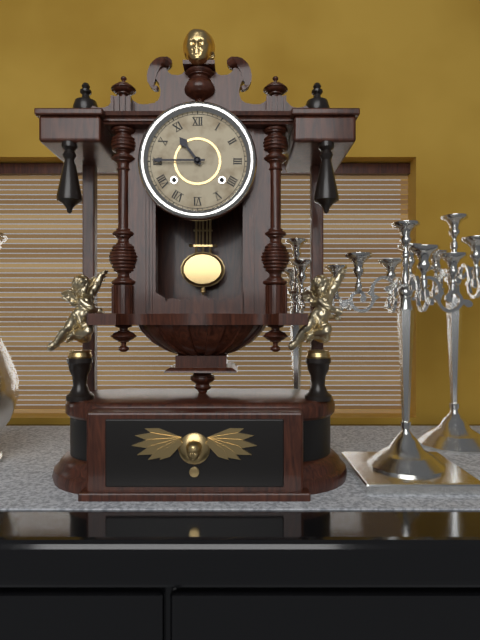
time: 10:45
